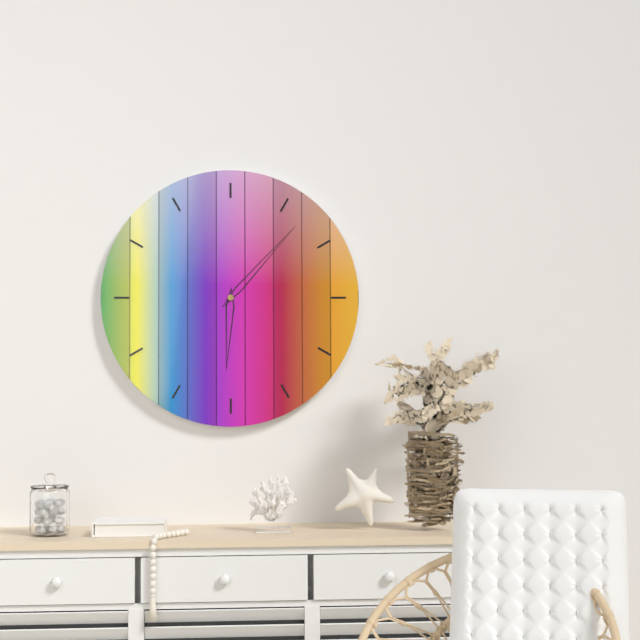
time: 6:07
